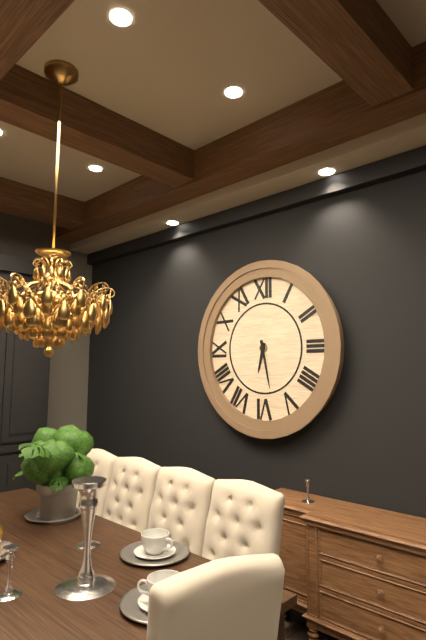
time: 6:28
